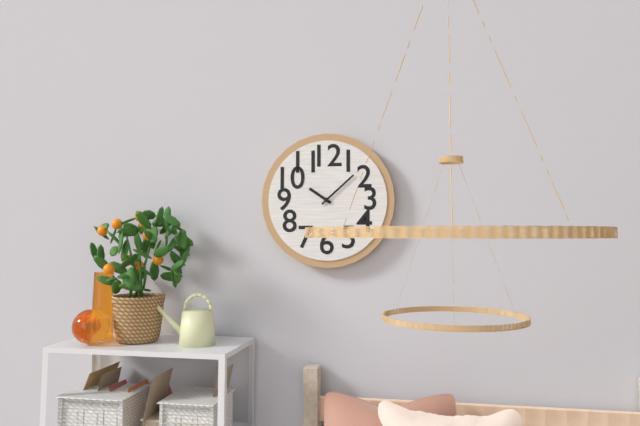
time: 10:08
